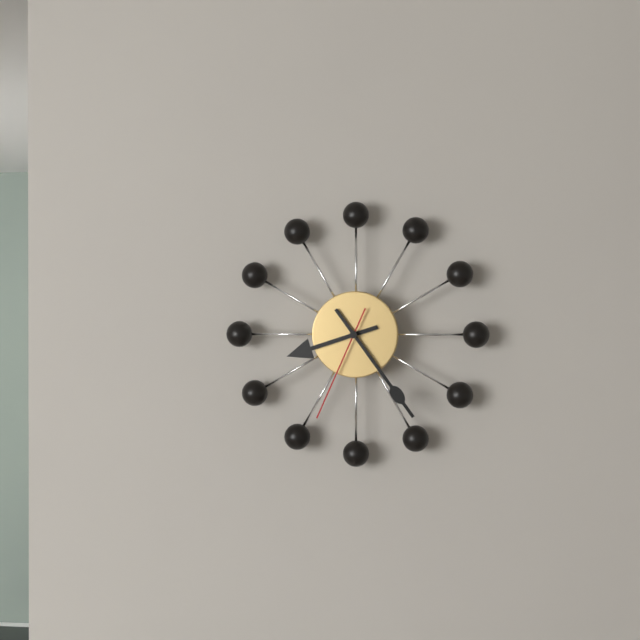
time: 8:24:34
